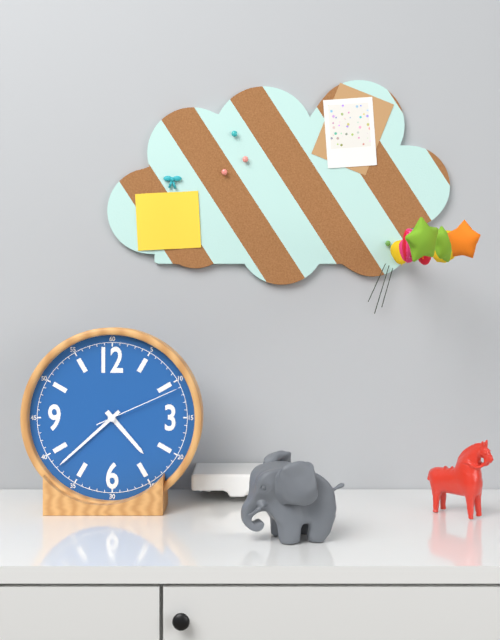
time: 4:38:11
